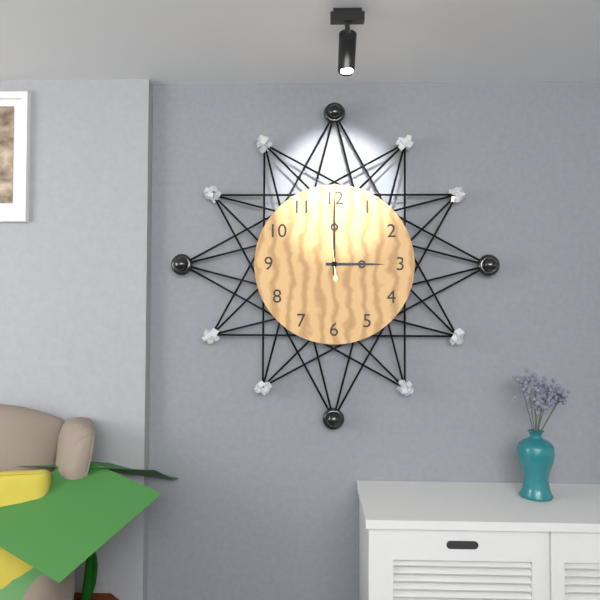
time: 3:00:59
